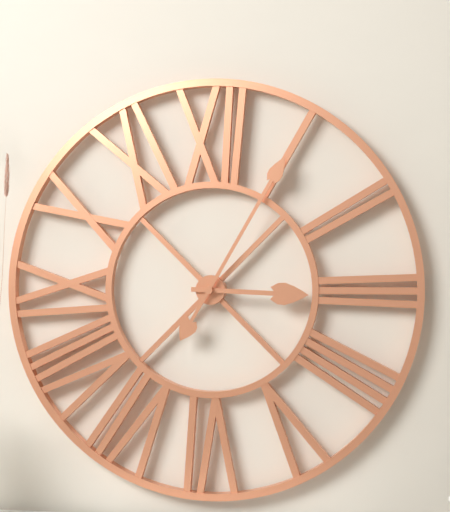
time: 3:05
